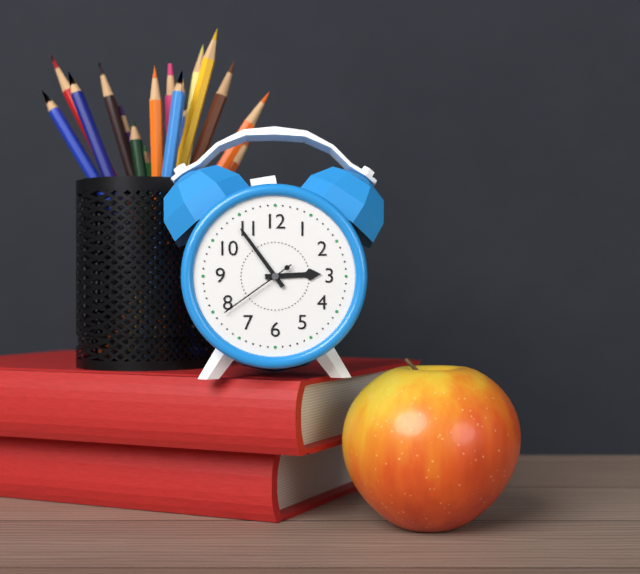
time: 2:54:39
